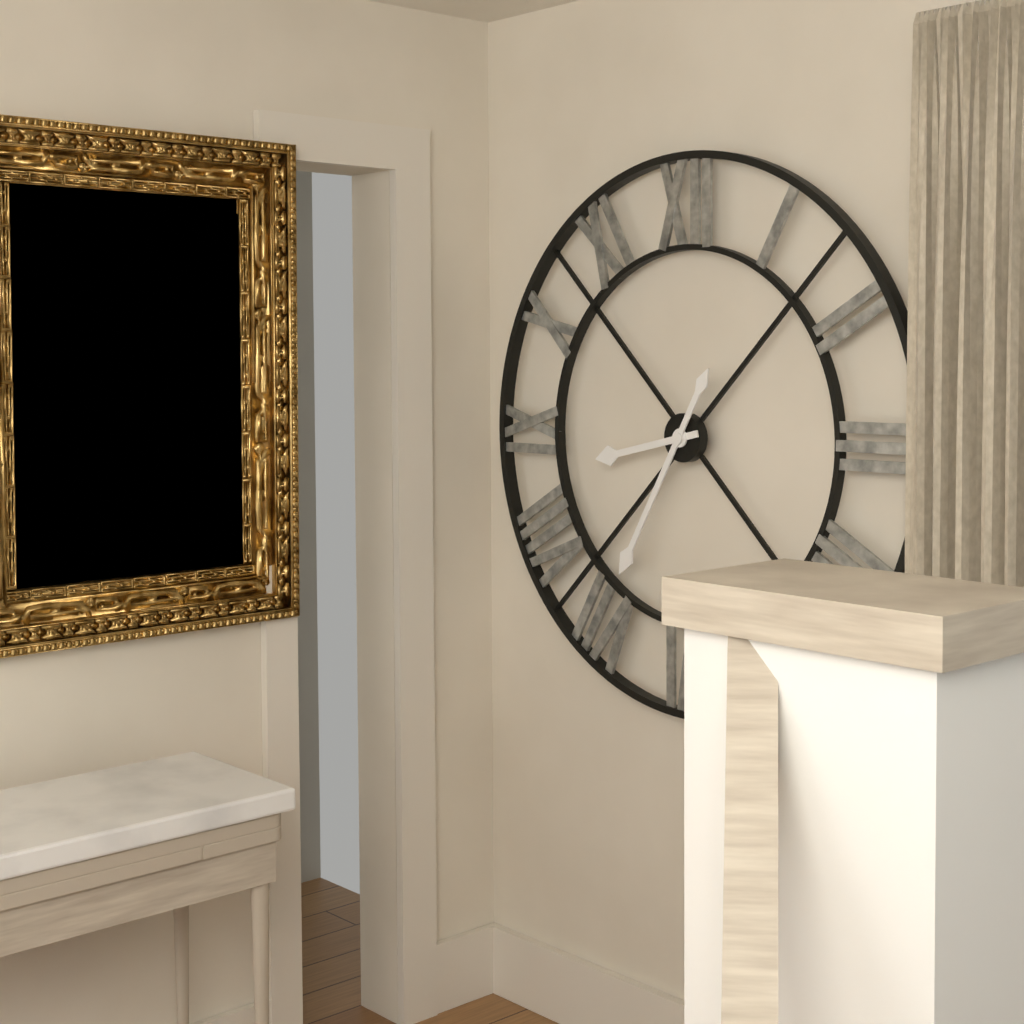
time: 8:35
